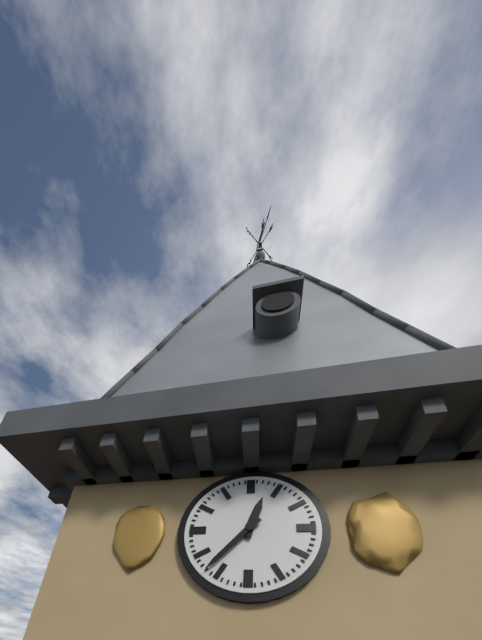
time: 12:37
